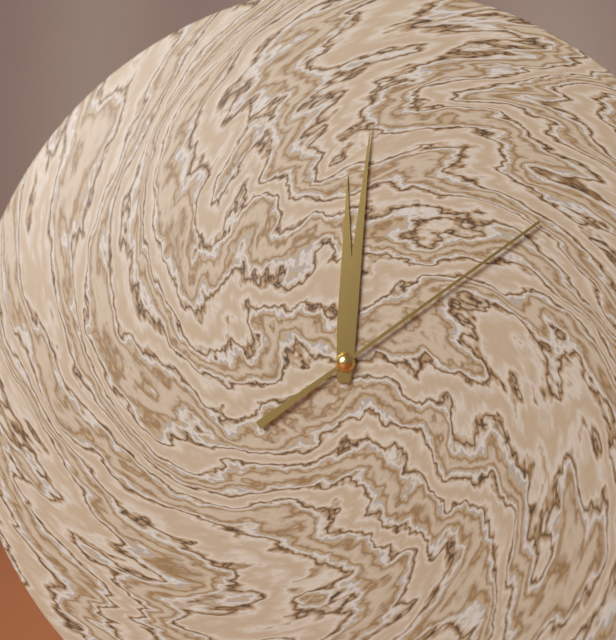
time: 12:01:09
